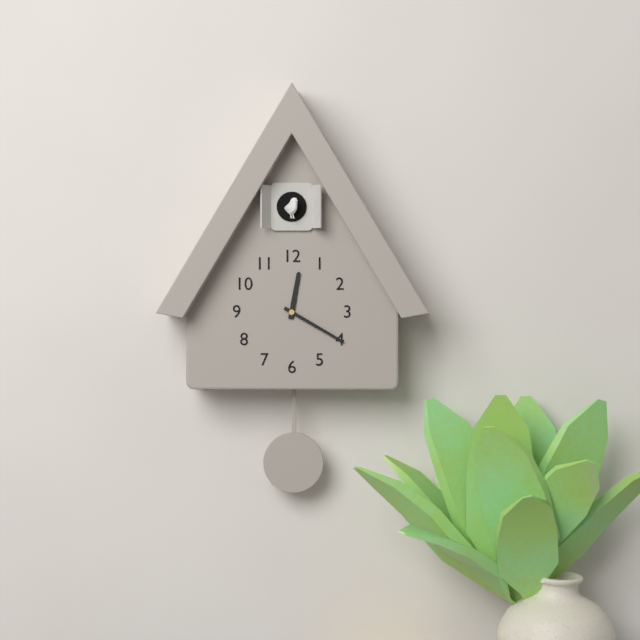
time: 12:20
